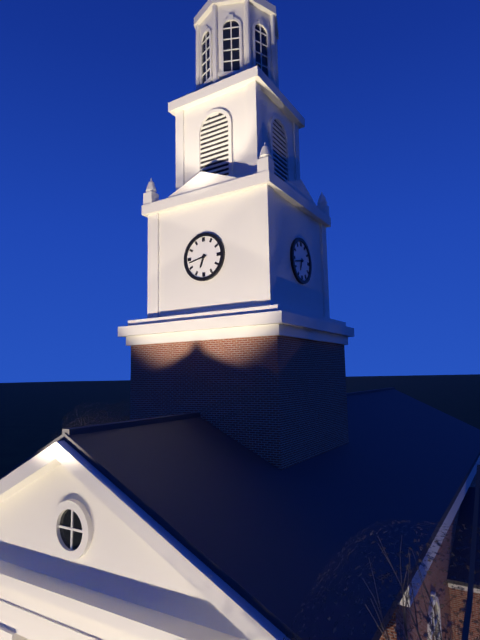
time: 6:43
